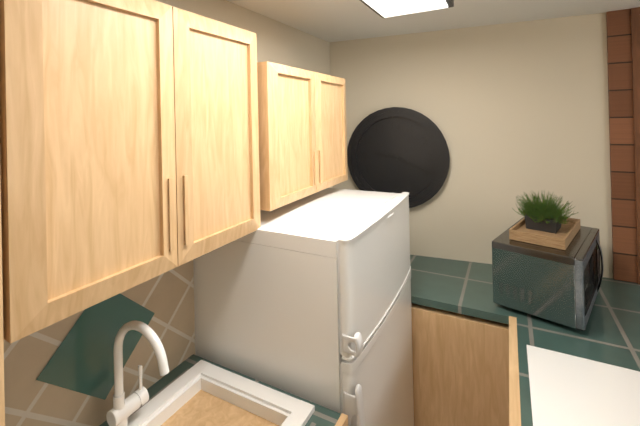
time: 9:19
